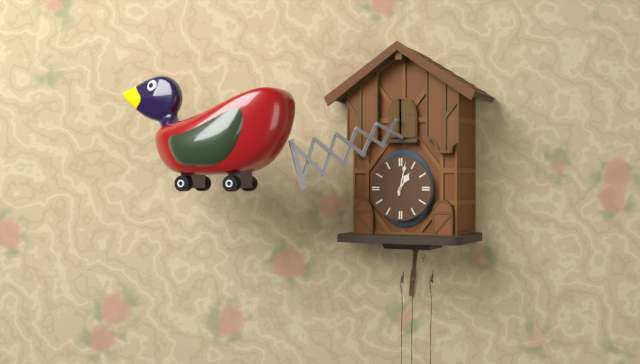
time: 1:02
